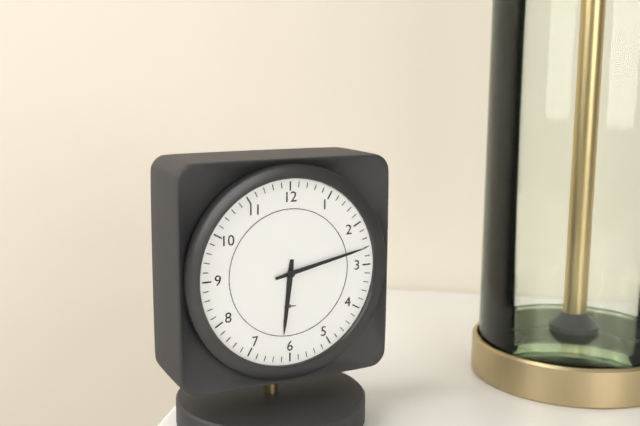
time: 6:13
